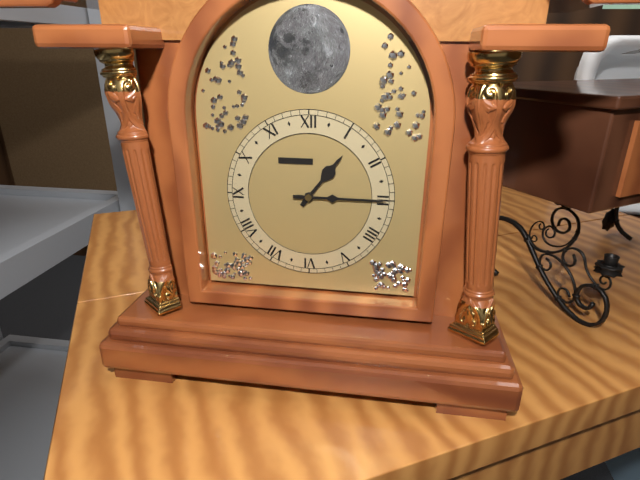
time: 1:15
